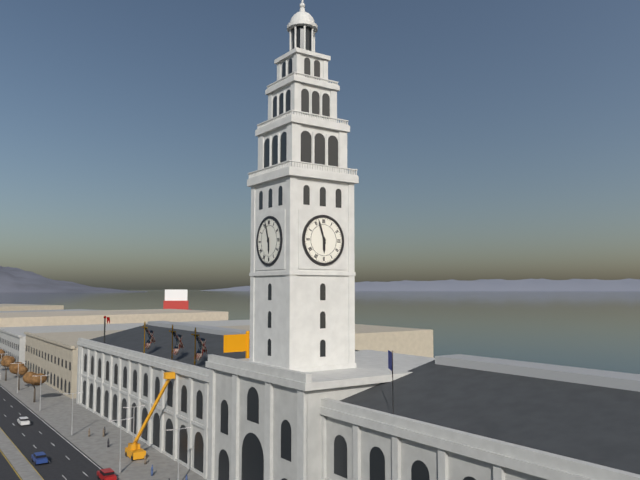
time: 5:57
